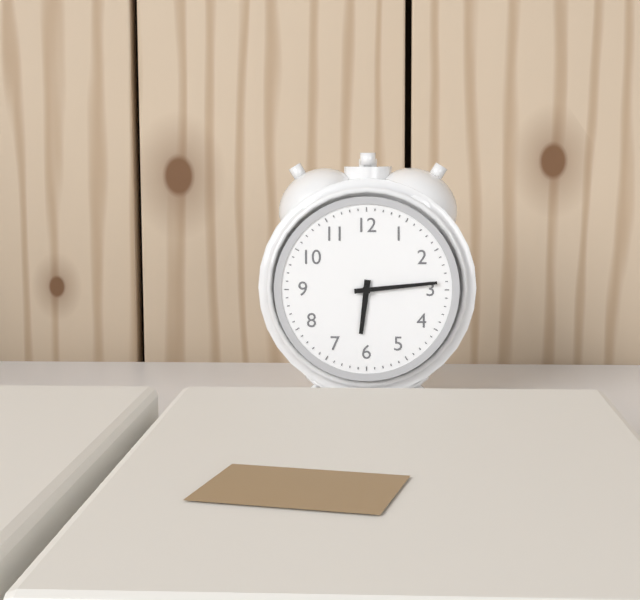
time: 6:14
